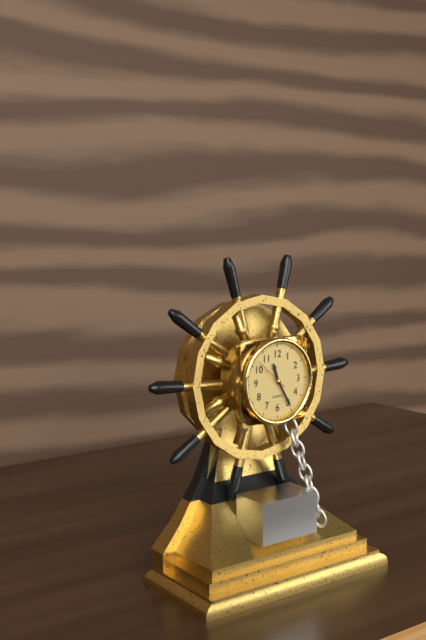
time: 11:25
